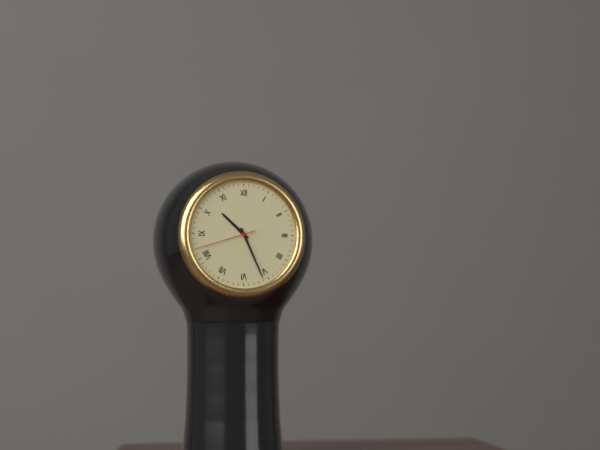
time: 10:26:42
